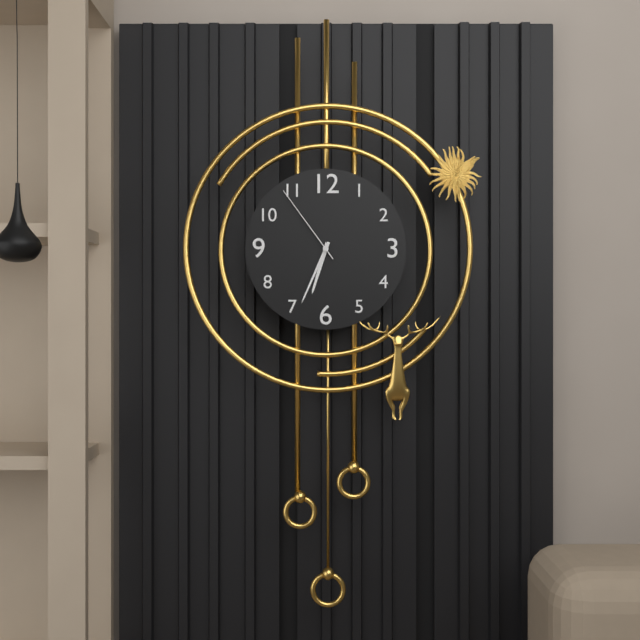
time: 6:34:54
